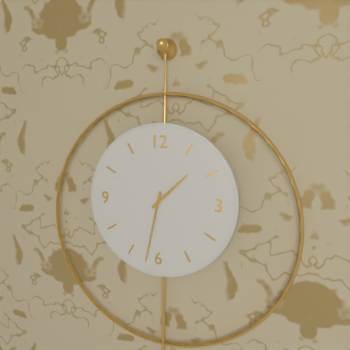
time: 1:32
